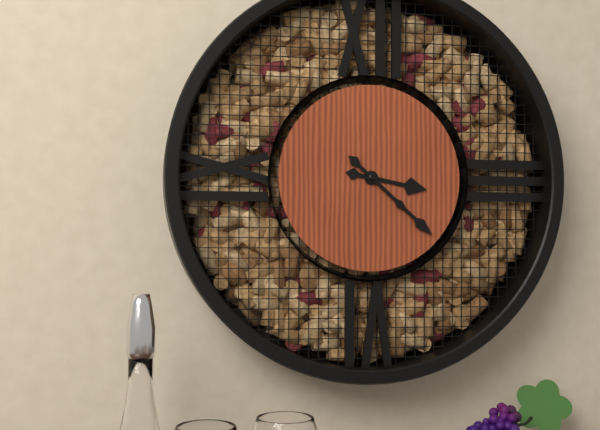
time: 3:22
